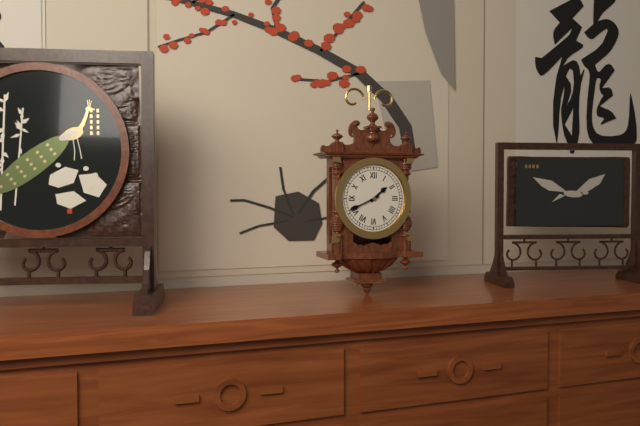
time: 1:41
